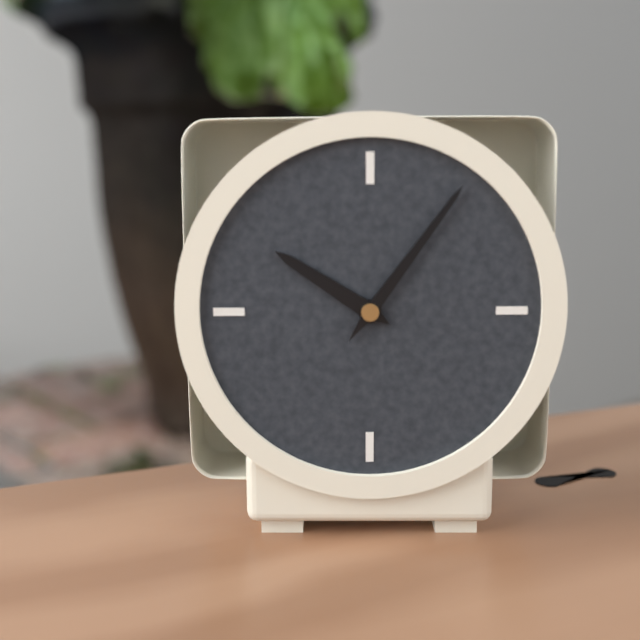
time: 10:06
